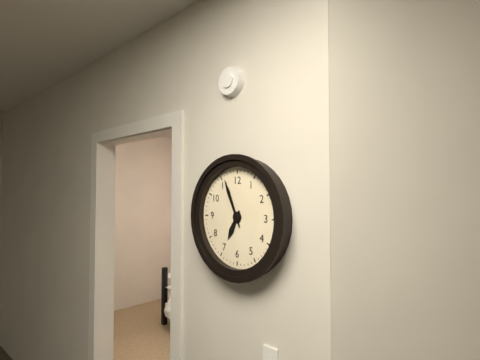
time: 6:56
